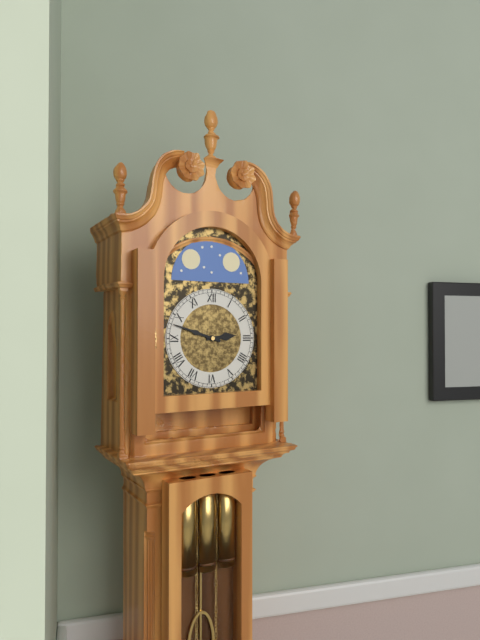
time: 2:48
